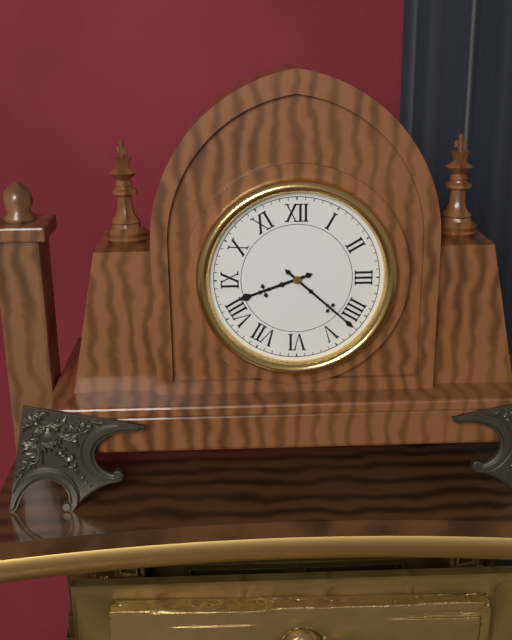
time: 8:22
